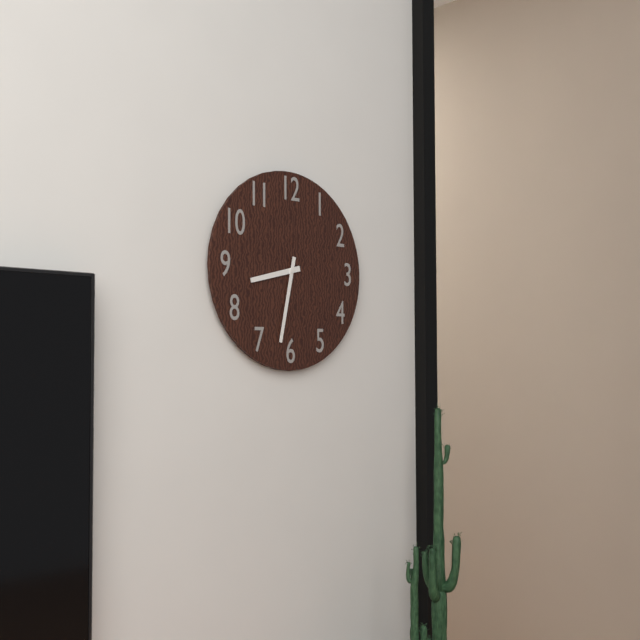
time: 8:32
